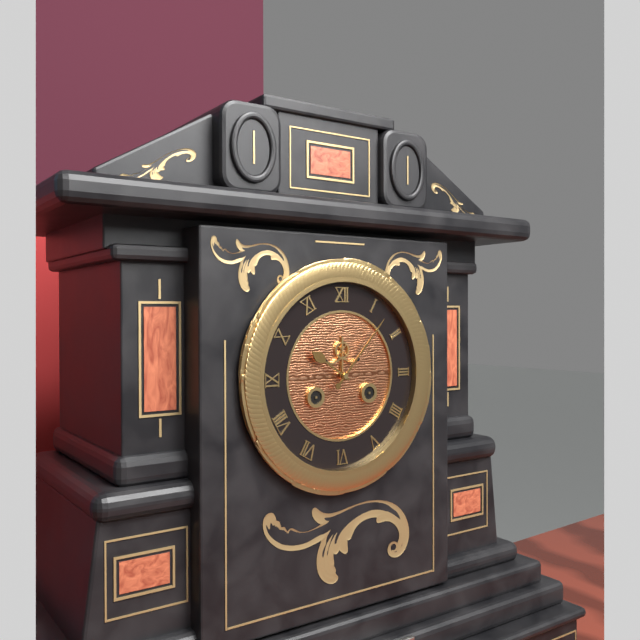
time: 10:07
